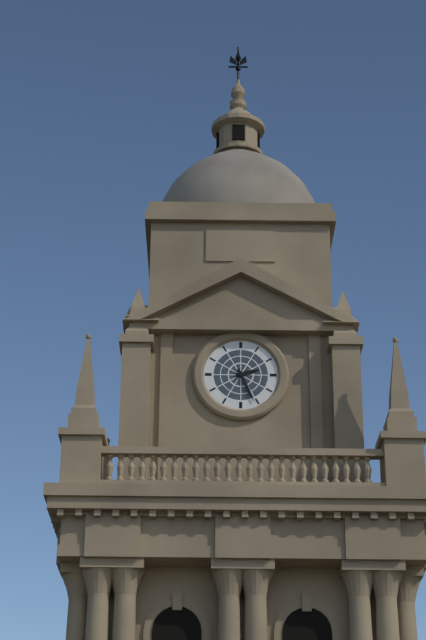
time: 2:26
